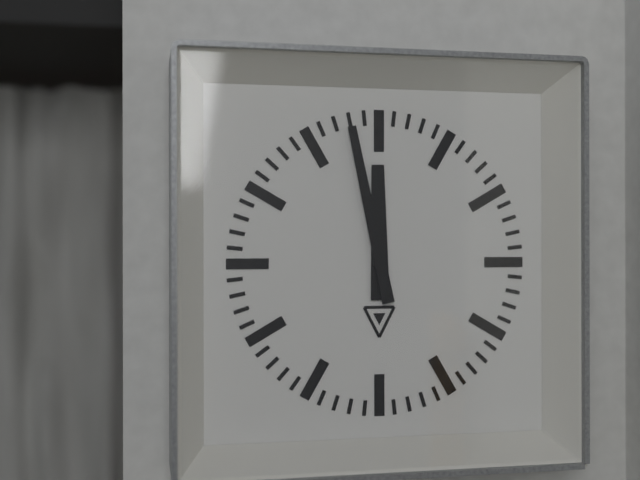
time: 11:58
